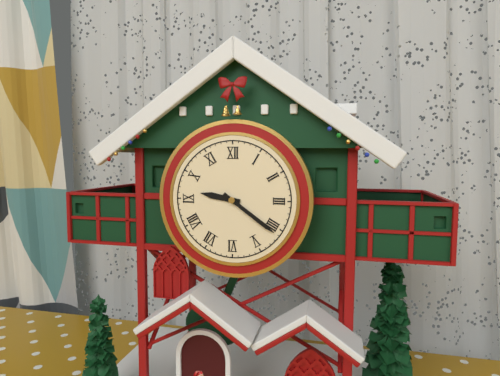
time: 9:21
